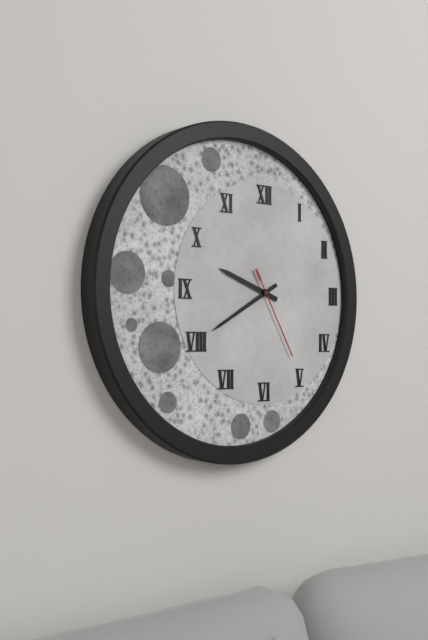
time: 9:40:25
